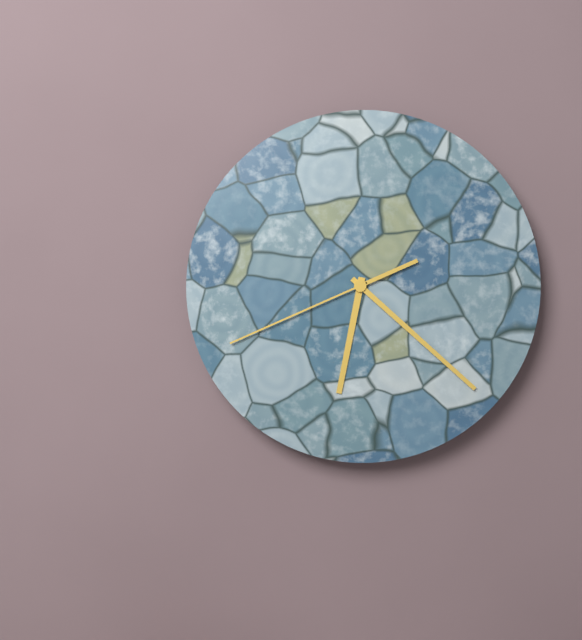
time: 6:22:41
